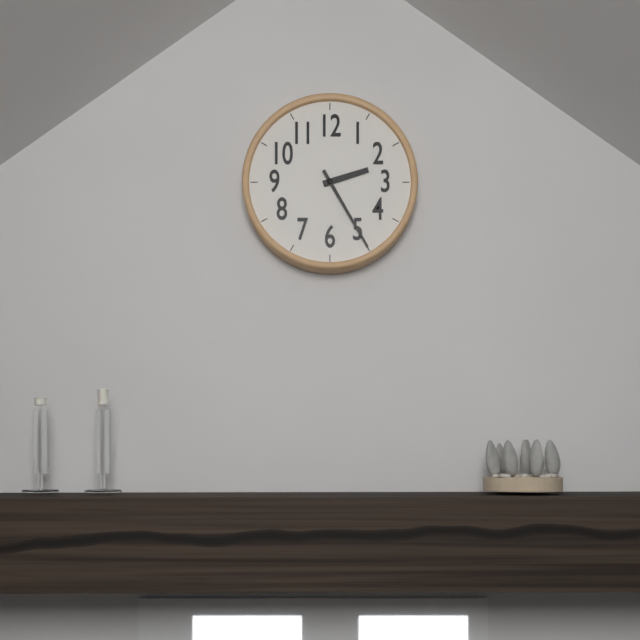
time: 2:25
